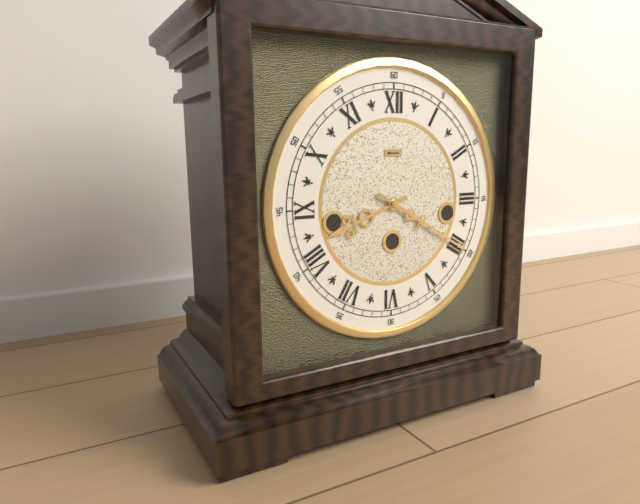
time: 8:20
